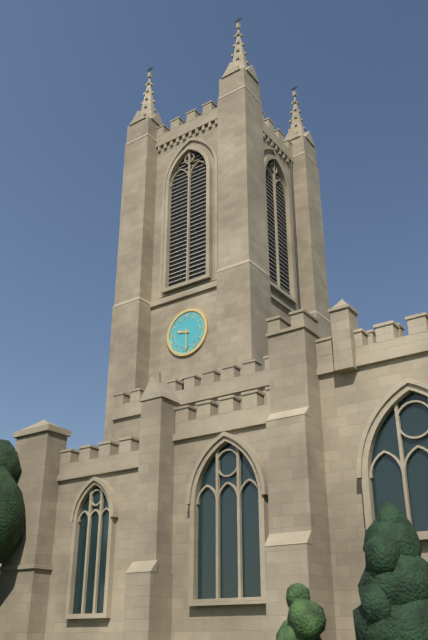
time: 9:30
